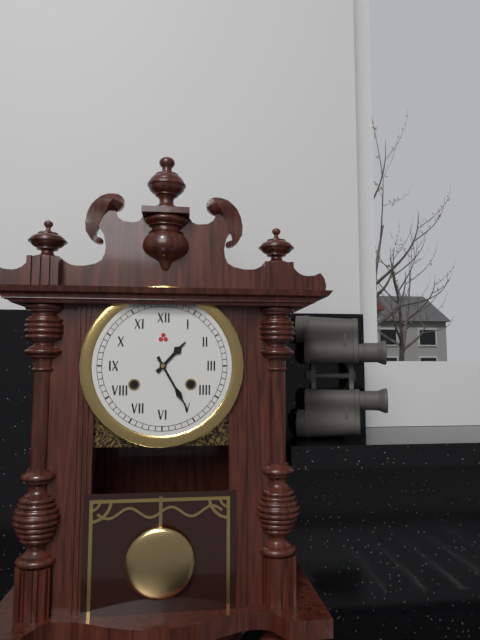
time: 1:25
